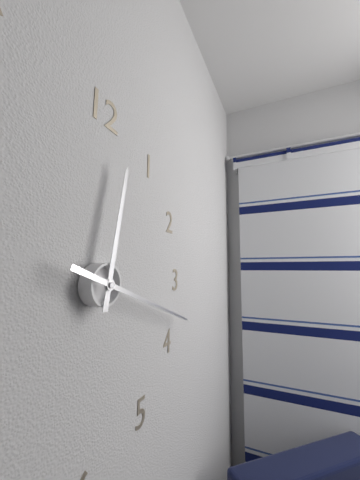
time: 12:18
